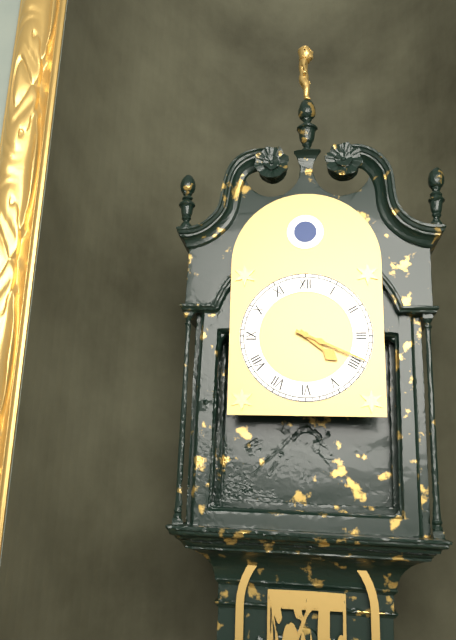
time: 4:19
